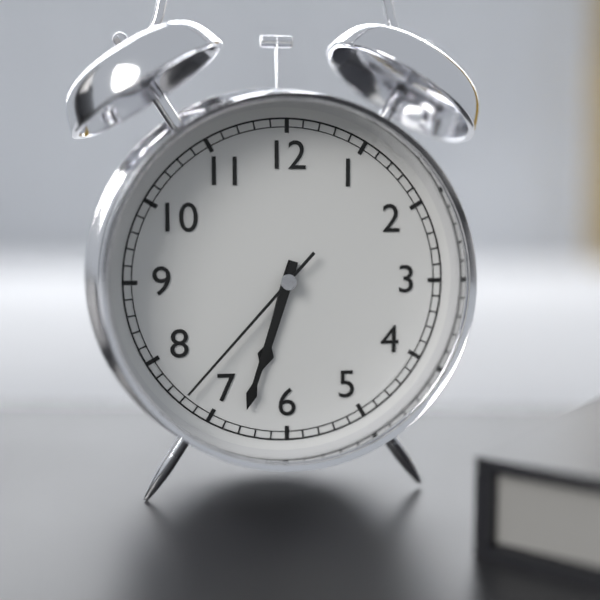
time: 6:33:37
